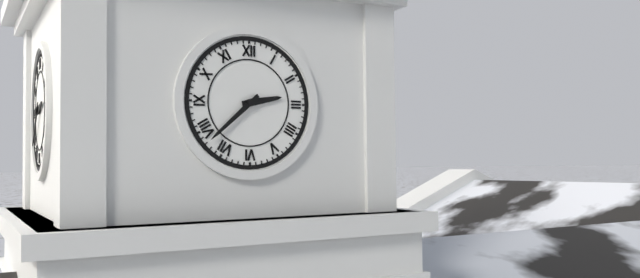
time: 2:38
